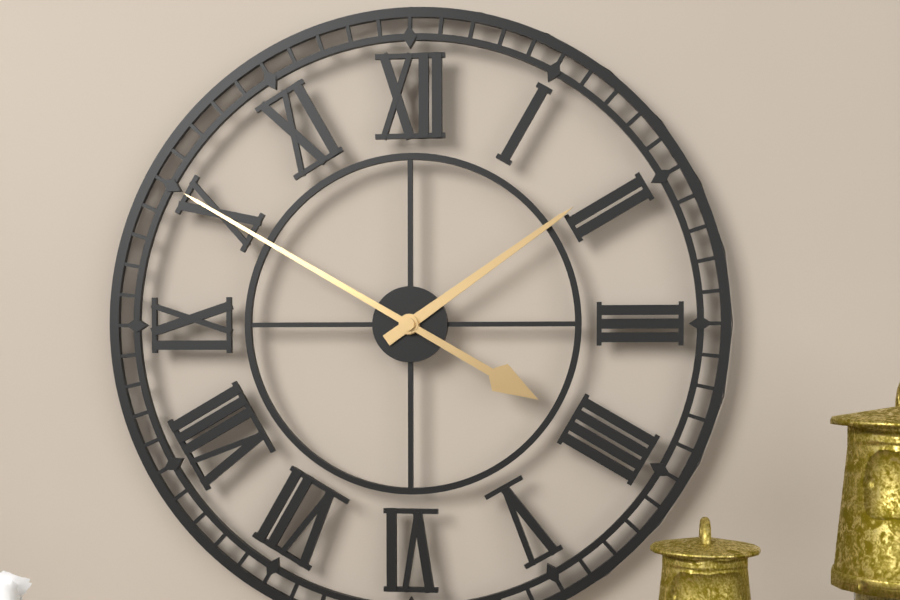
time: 1:50
